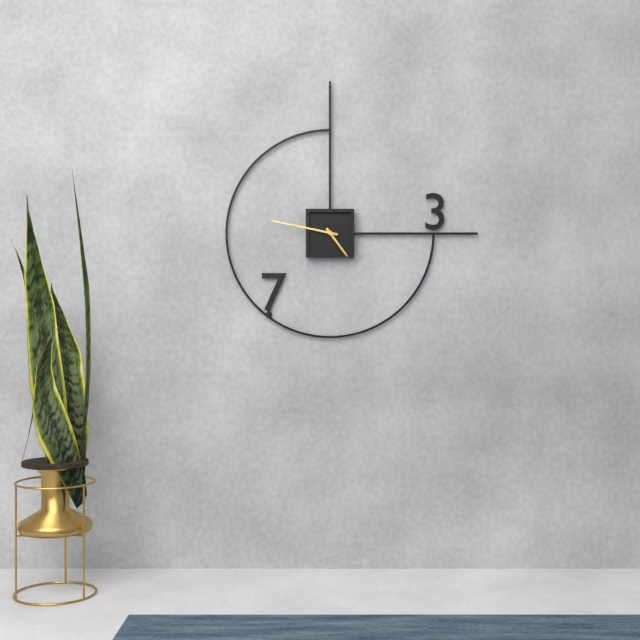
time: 4:47
